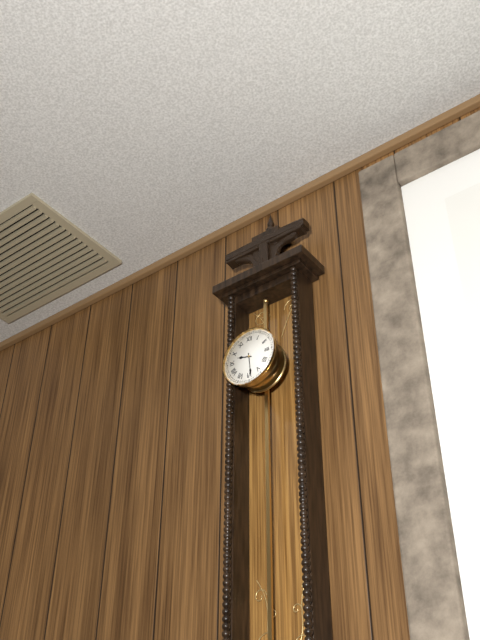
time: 9:29
